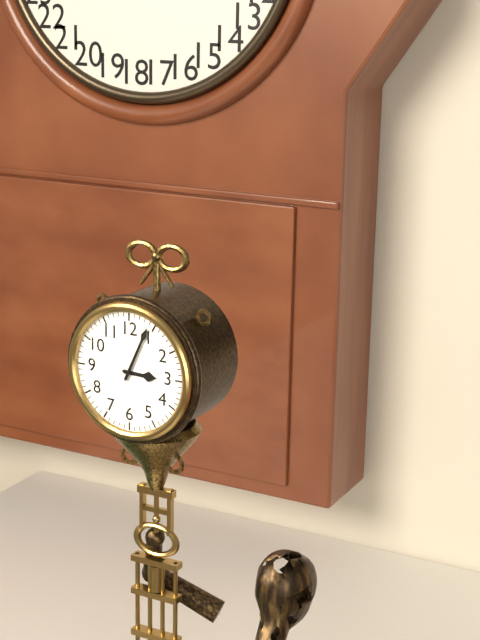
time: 3:04
